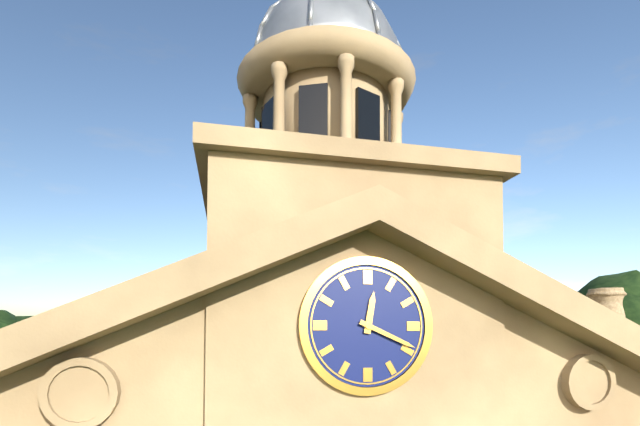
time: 12:19
